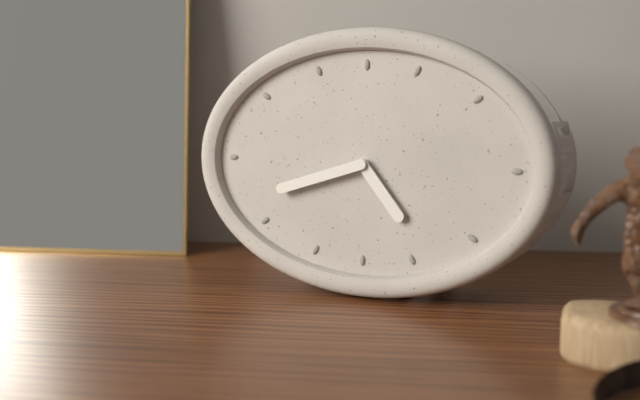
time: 4:42
